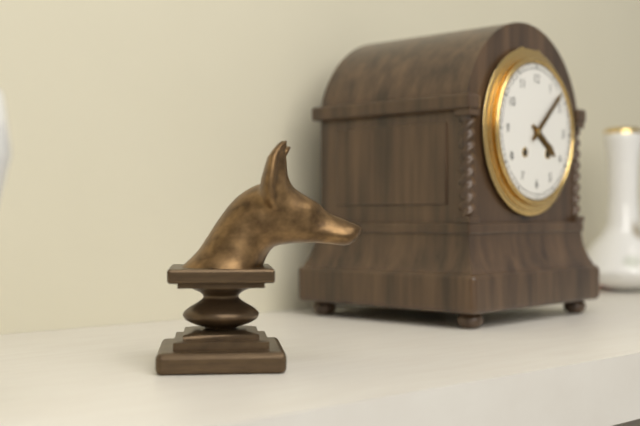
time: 4:08
